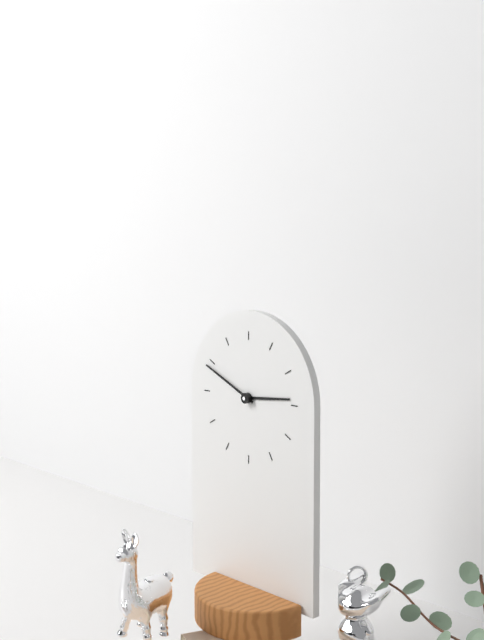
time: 2:49
